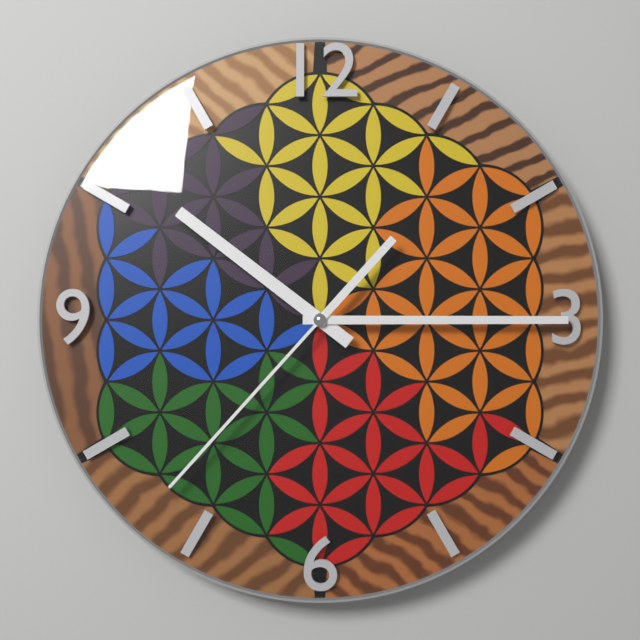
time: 10:15:37
